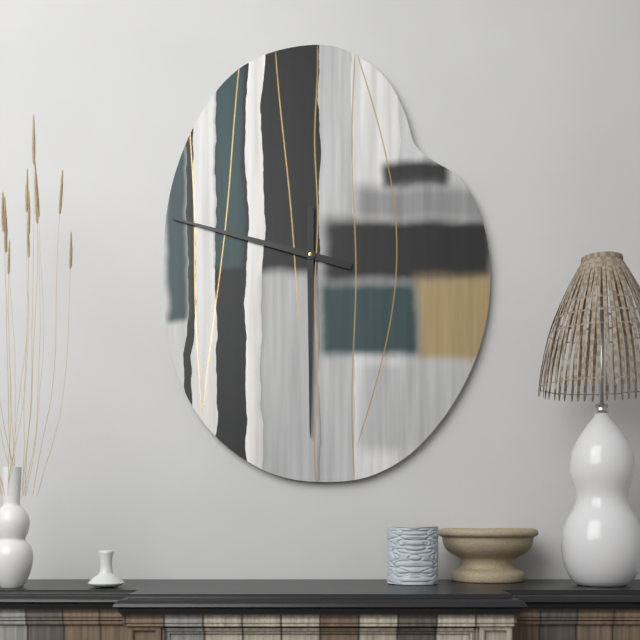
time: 9:30
